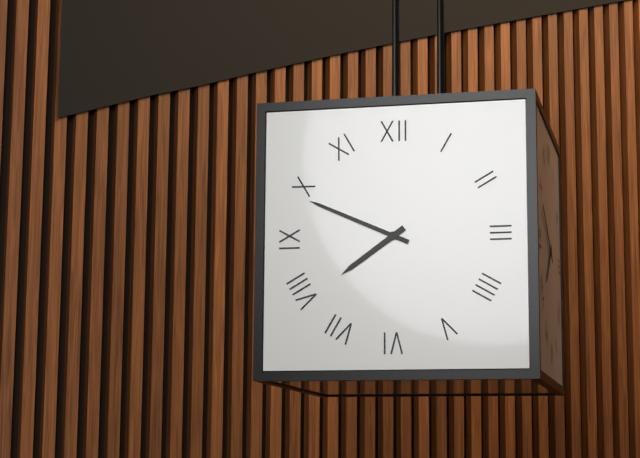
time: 7:49
